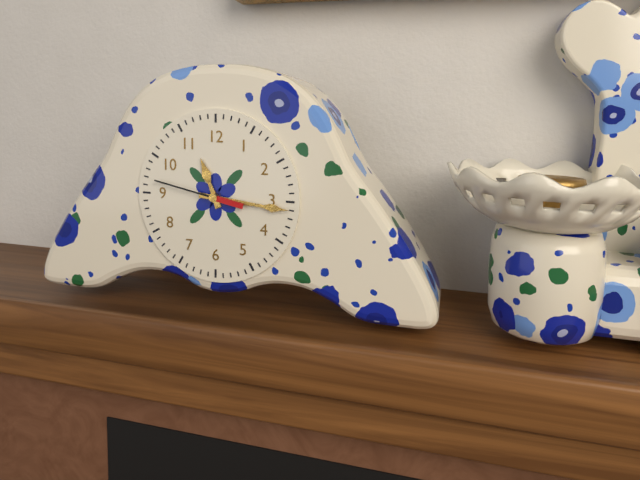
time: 11:16:47
